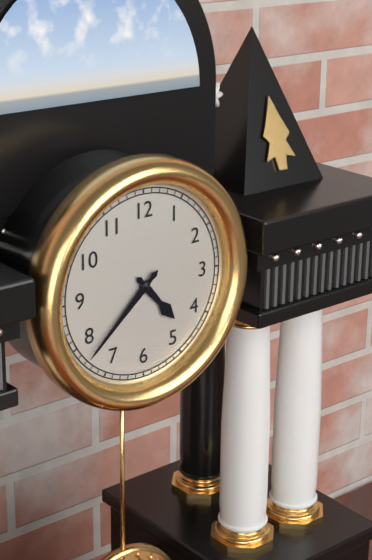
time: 4:38
